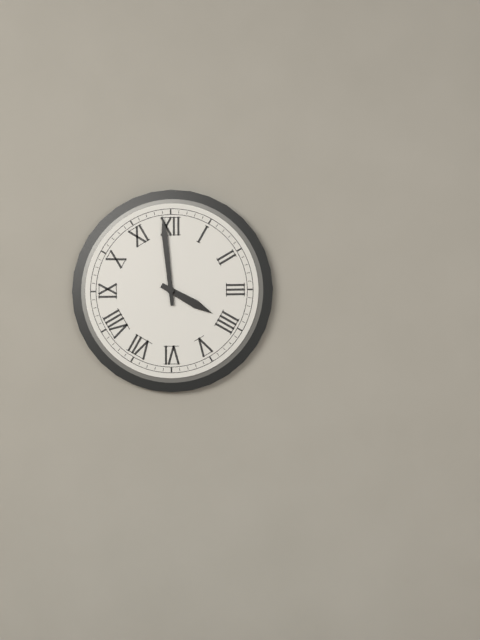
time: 3:59
